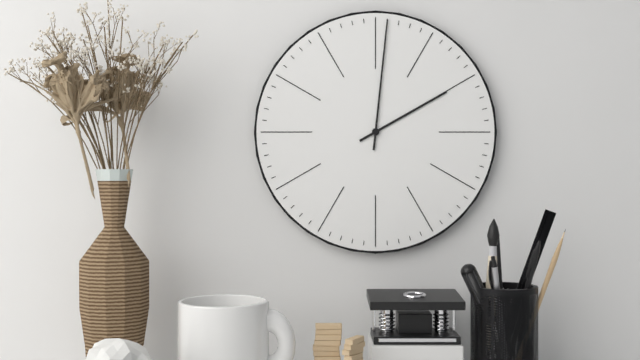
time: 2:01
